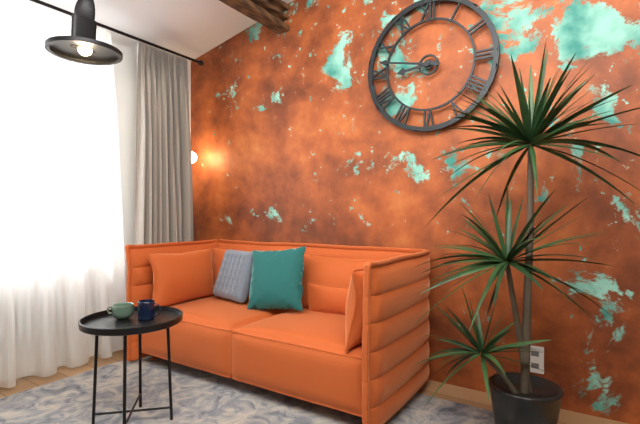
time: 8:47
